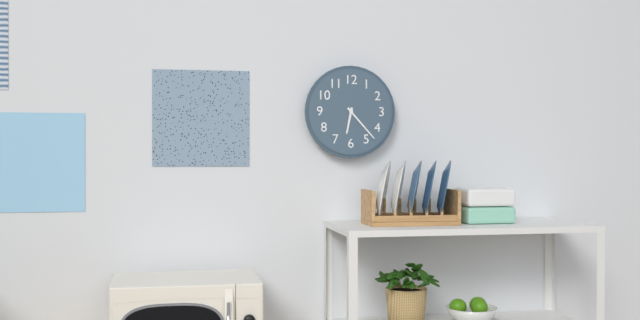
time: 6:23
